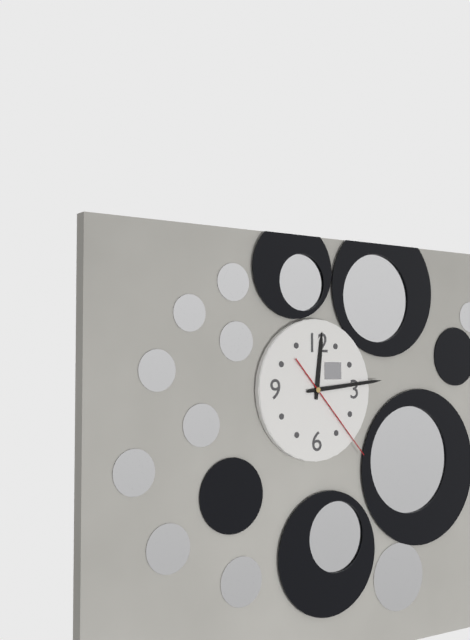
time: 12:14:23
